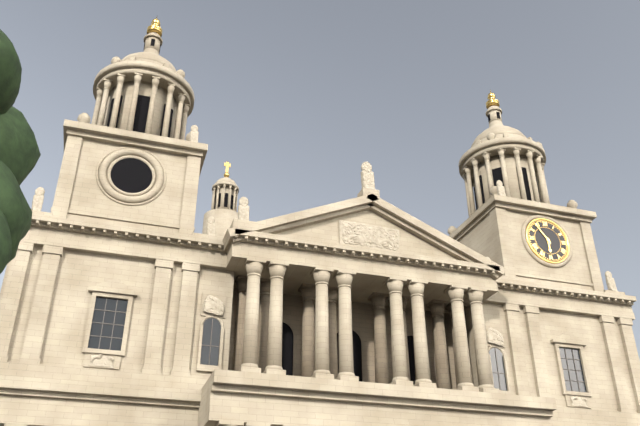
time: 5:54
